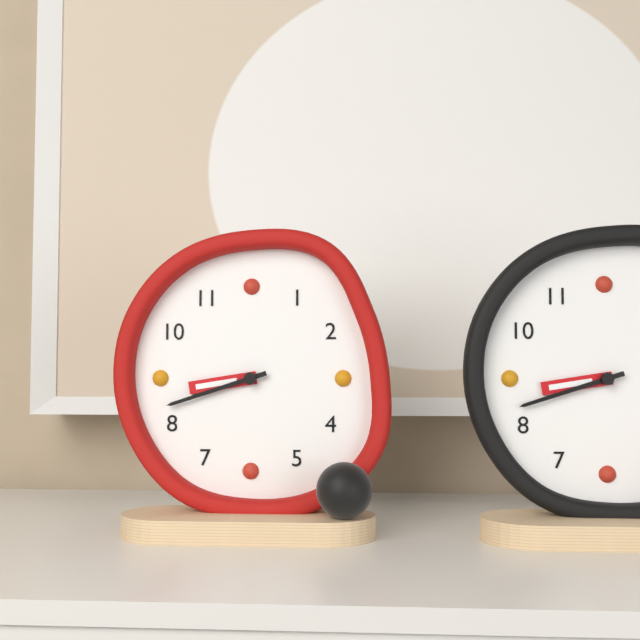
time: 8:42
